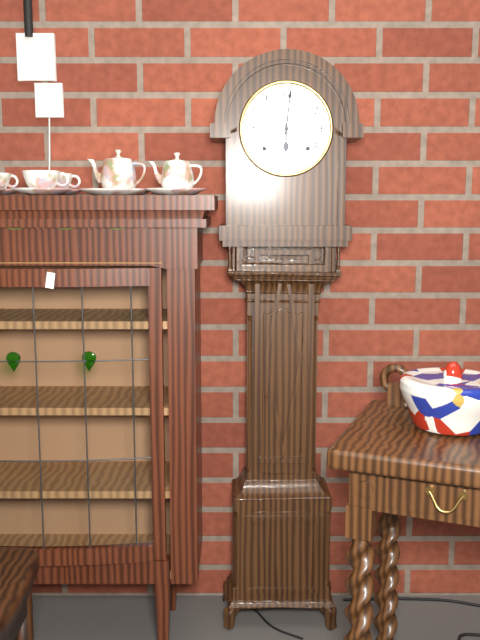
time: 6:01
